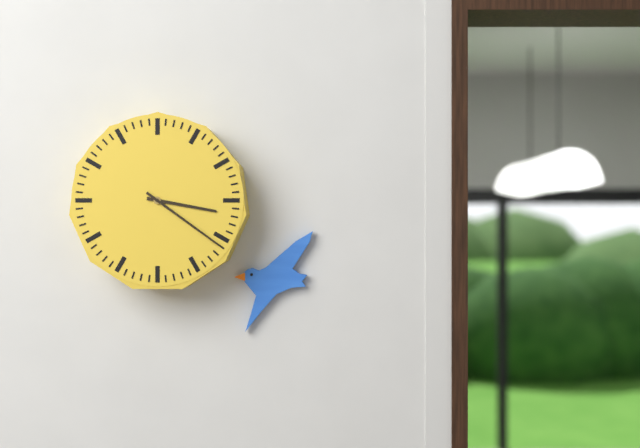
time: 3:21
